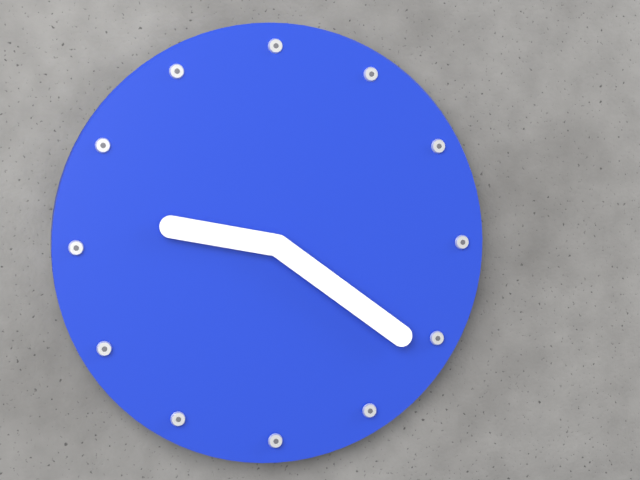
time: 9:21
